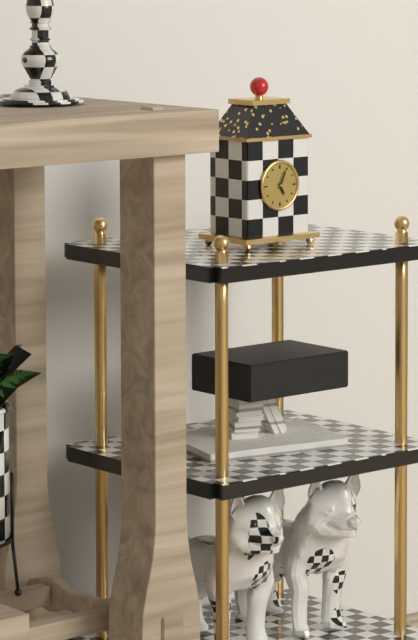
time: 5:04
